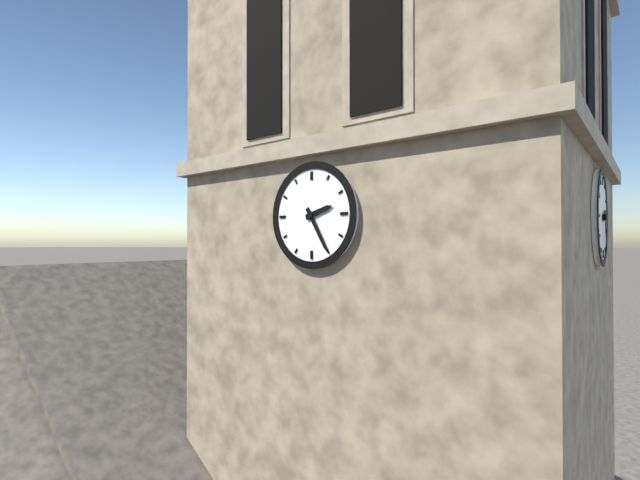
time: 2:25
